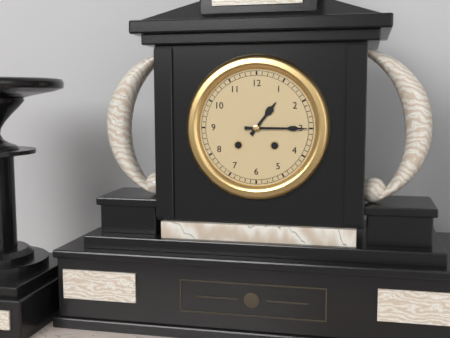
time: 1:15
